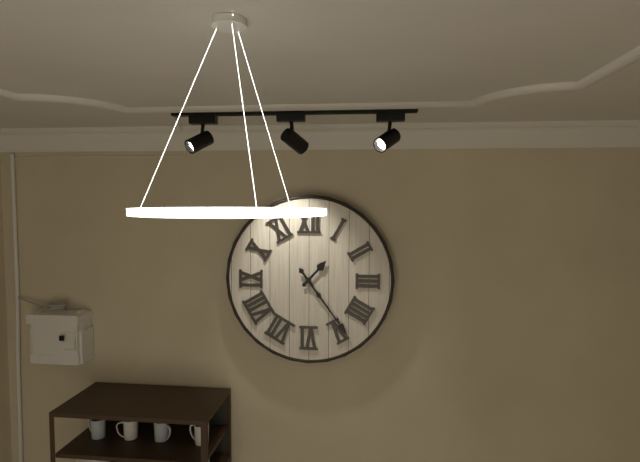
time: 1:24
